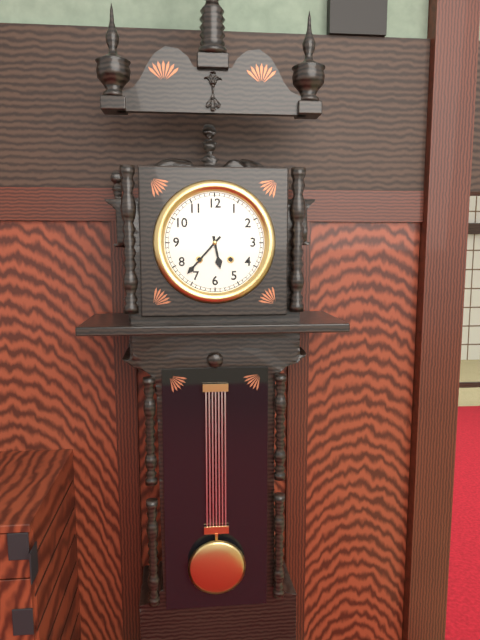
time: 5:37
